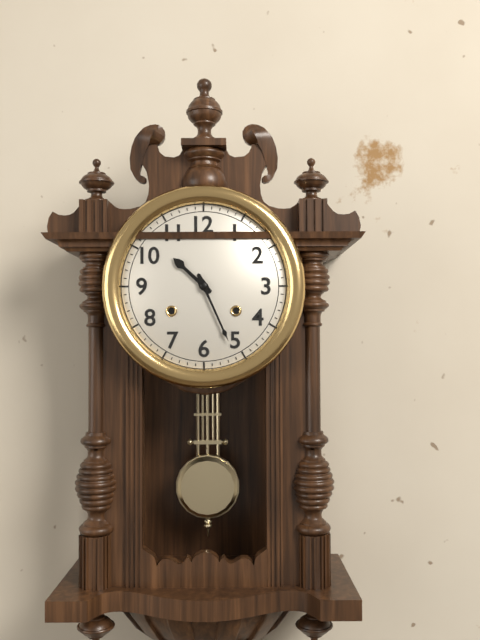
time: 10:26
